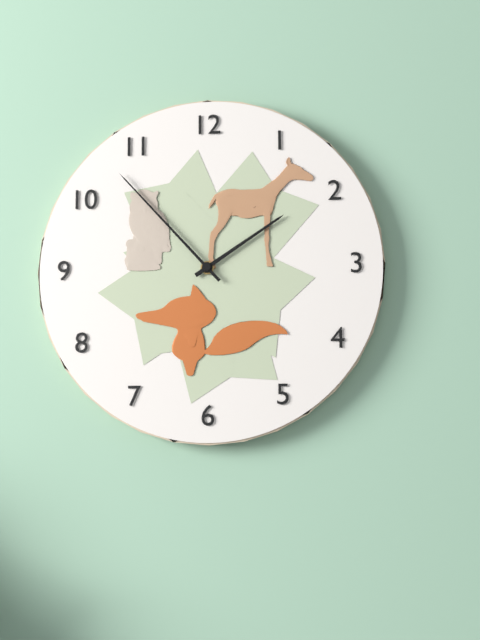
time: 1:53
